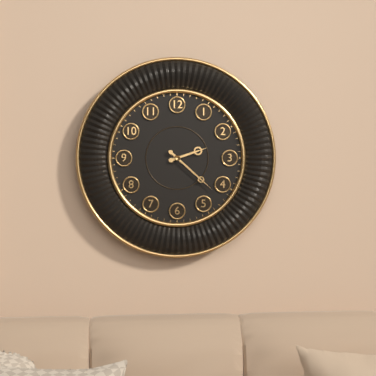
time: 2:22
